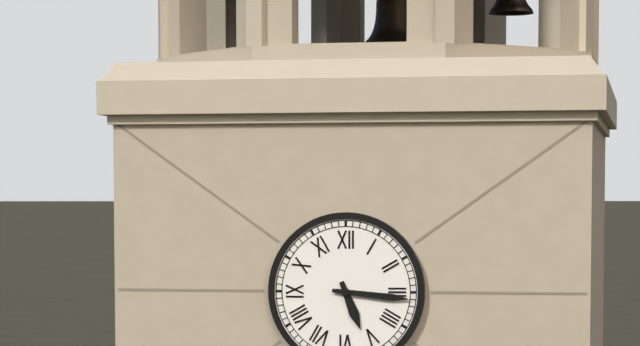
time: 5:16
